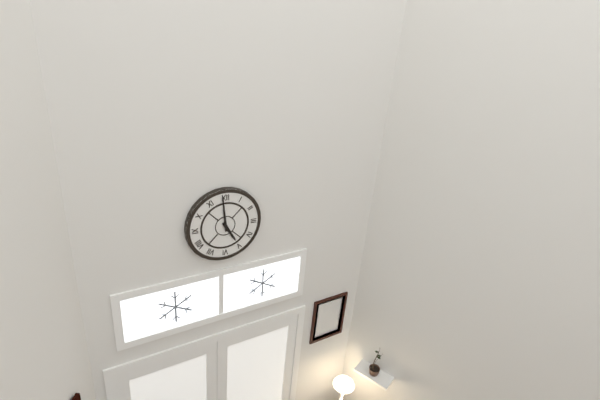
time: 4:59
